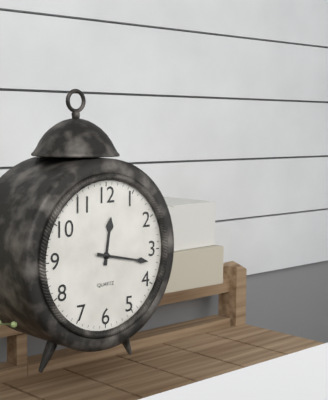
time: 12:17
